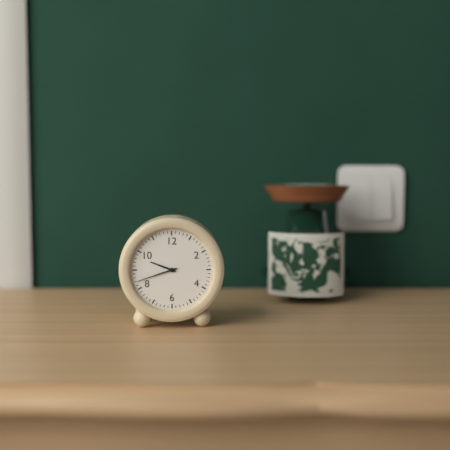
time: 9:42
